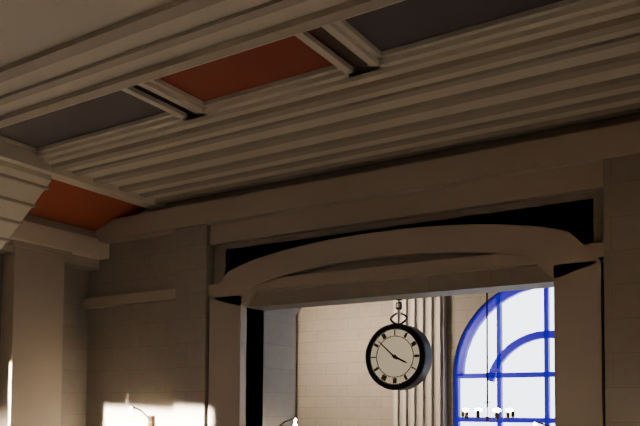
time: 3:52
